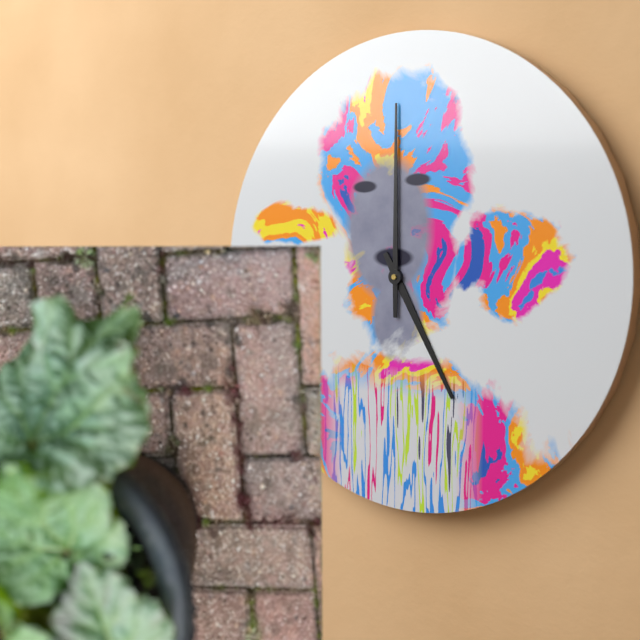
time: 5:00
